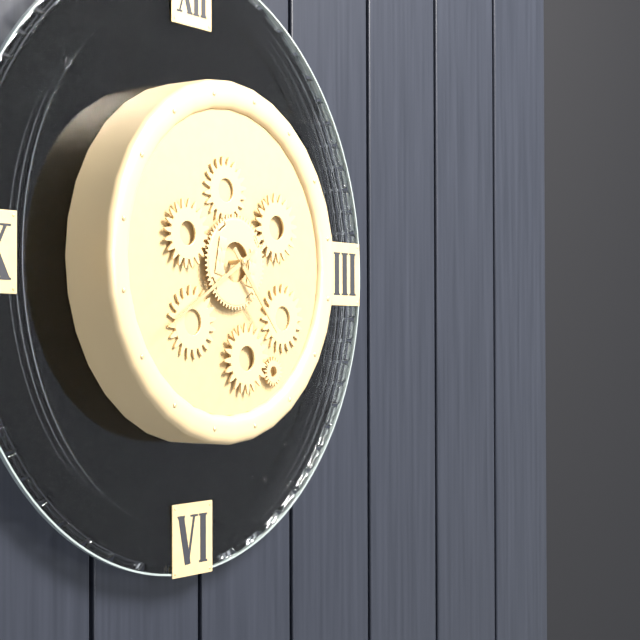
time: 4:40
